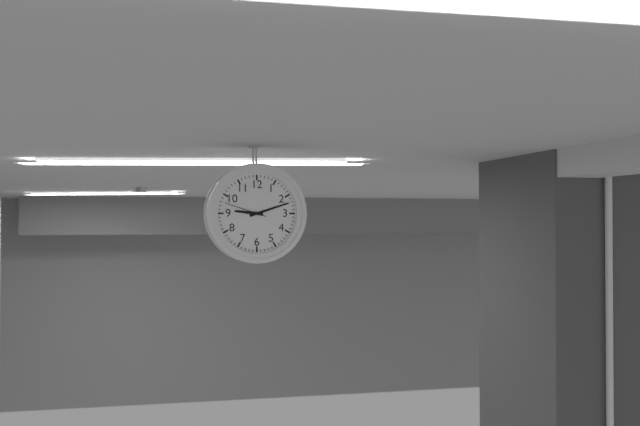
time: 9:12
